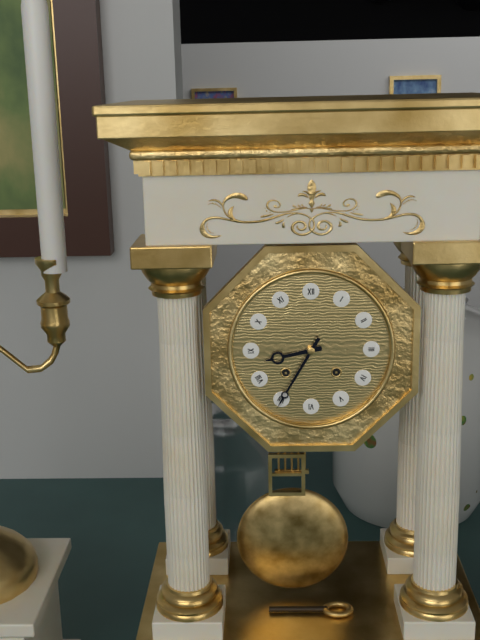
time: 8:35
